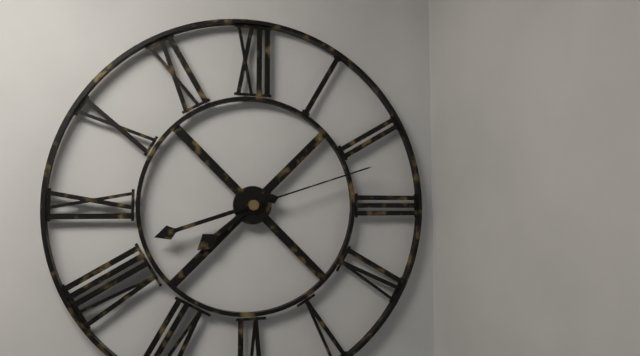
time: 7:42:12
